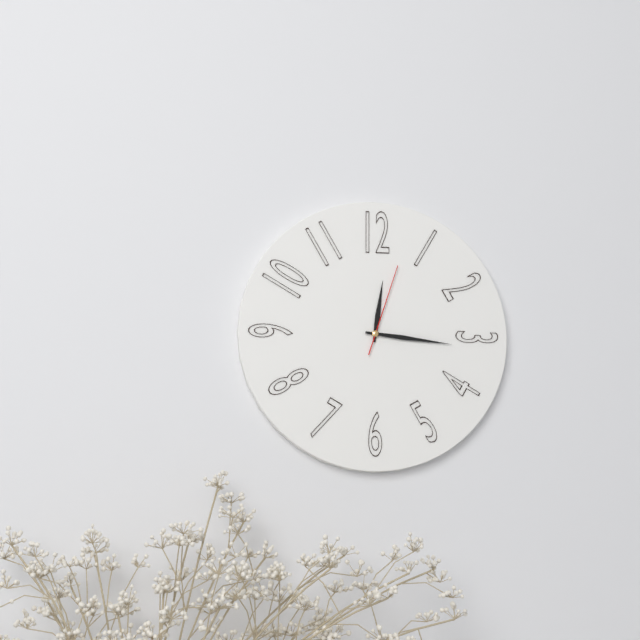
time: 12:16:03
